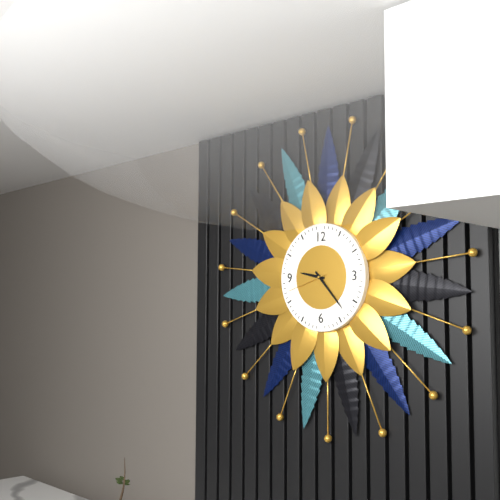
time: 9:23
